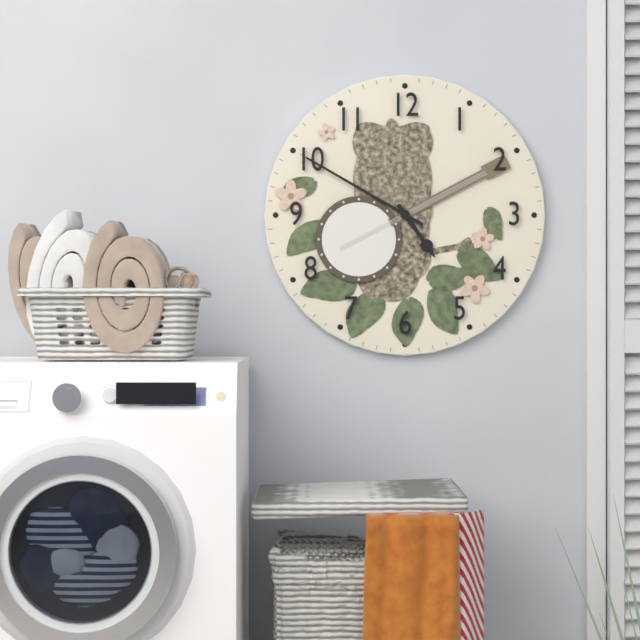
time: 4:50
